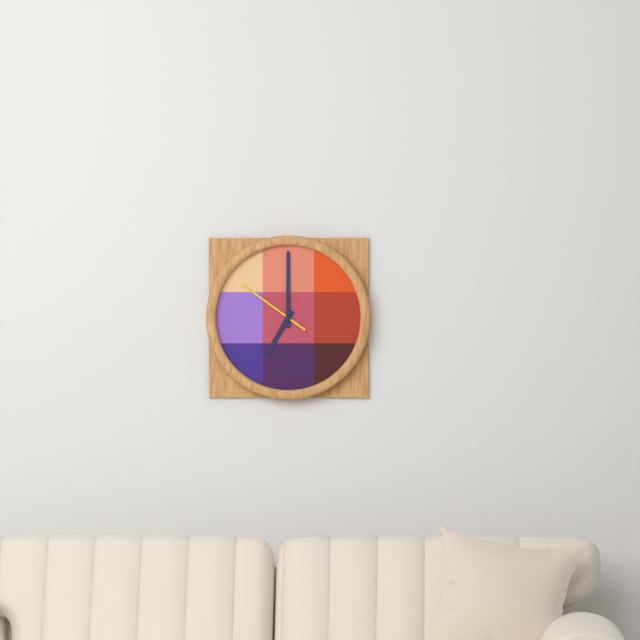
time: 7:00:51
